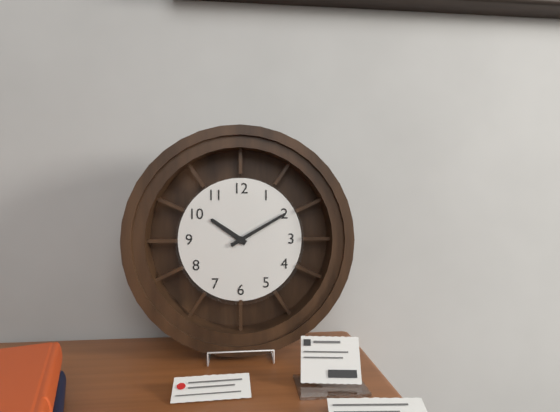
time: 10:10
